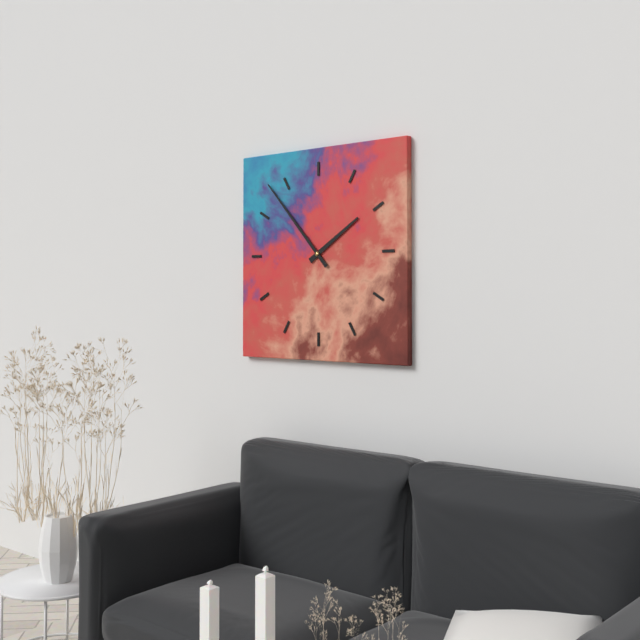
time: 1:53
